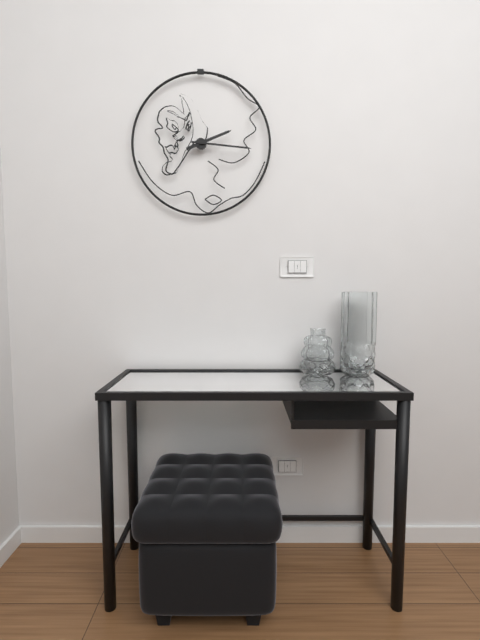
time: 2:16
